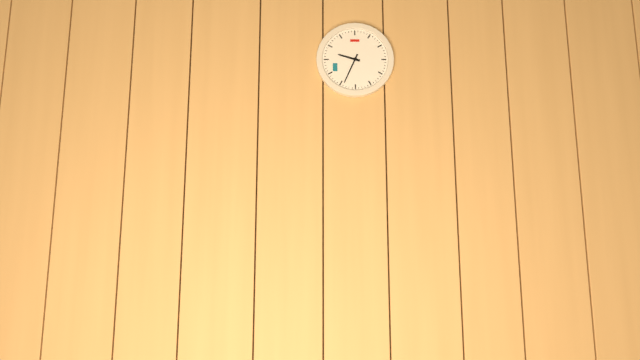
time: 9:34
